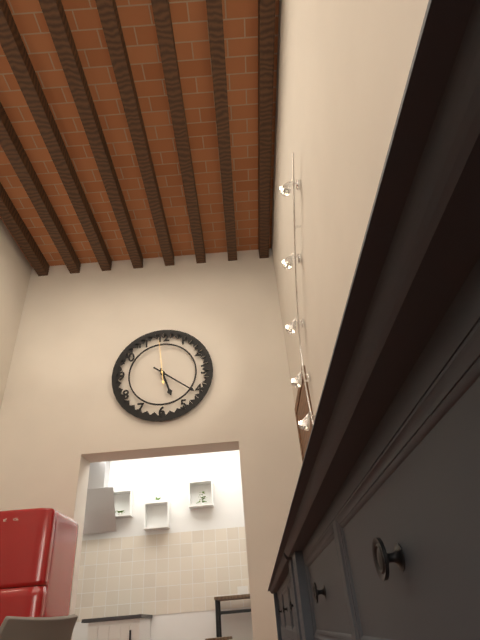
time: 5:21
